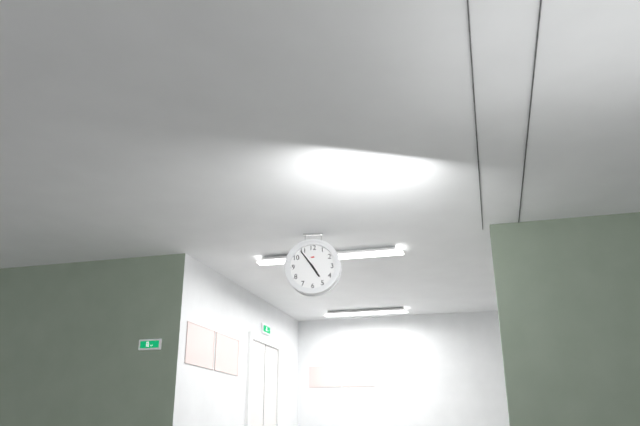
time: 4:54
